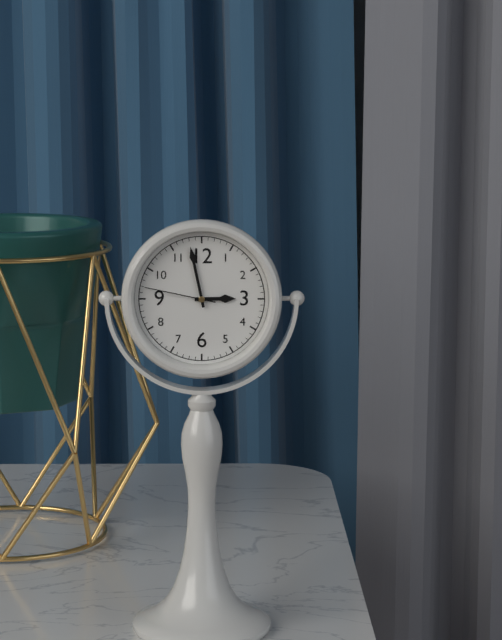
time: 2:58:47
